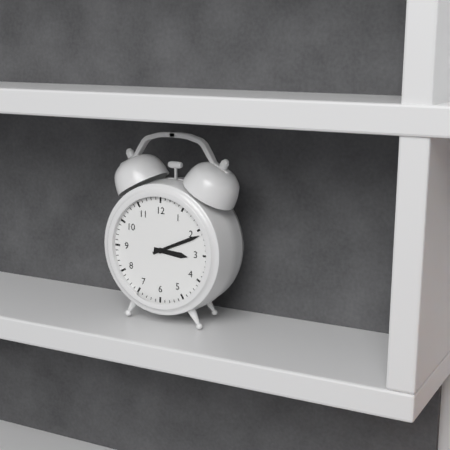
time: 3:11
